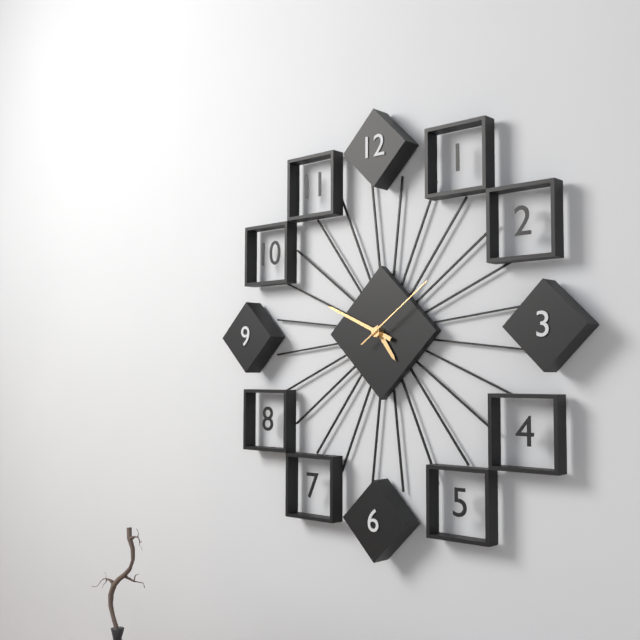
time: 4:49:09
